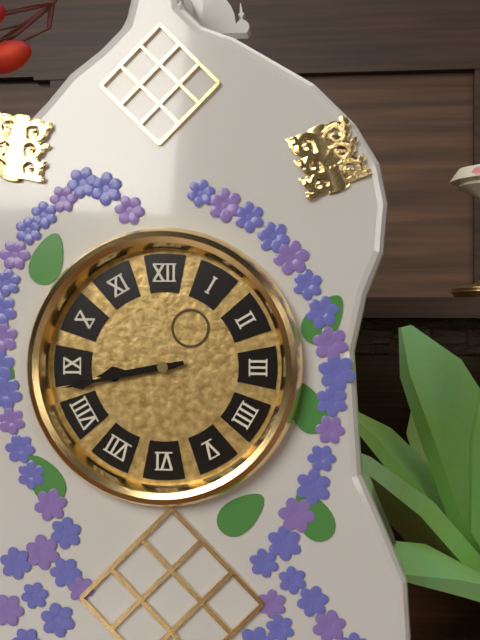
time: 8:43
